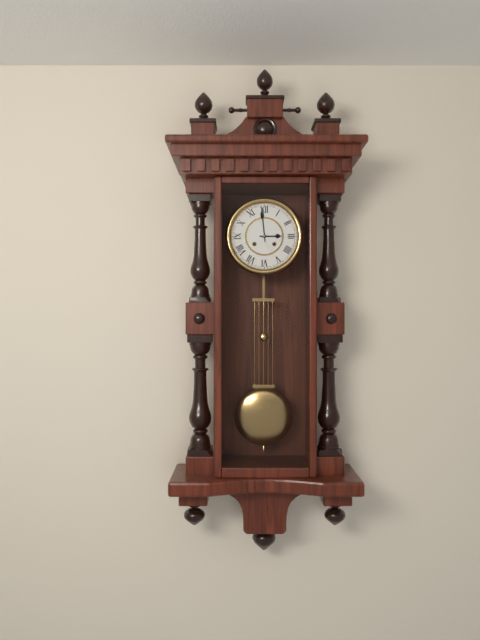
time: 2:59
